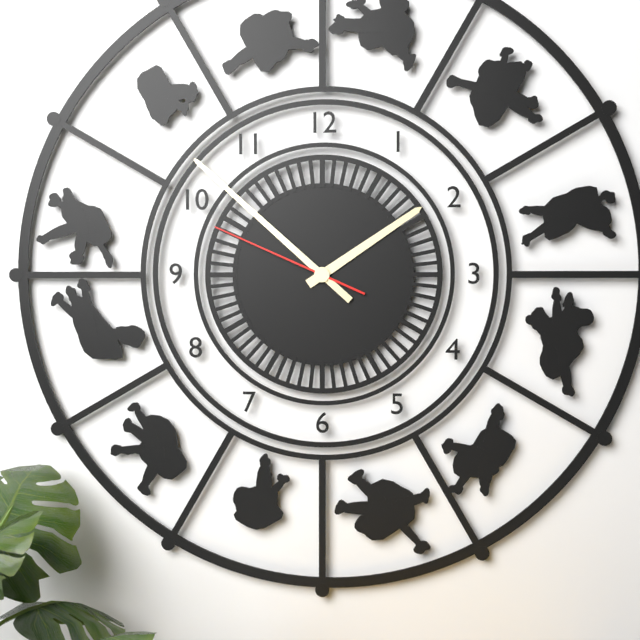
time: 1:52:49
